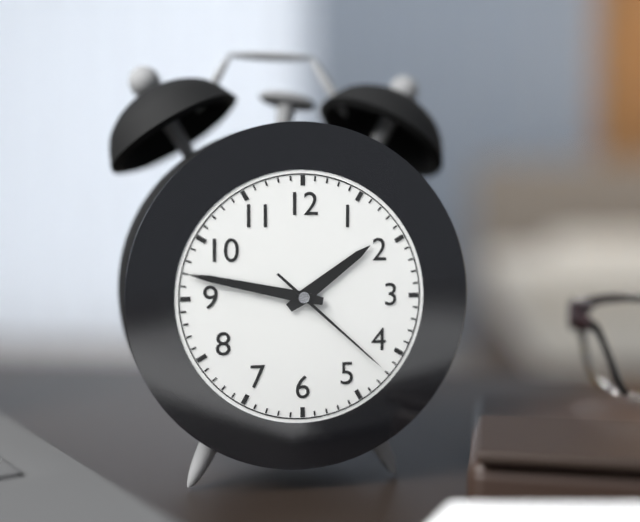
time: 1:47:22
